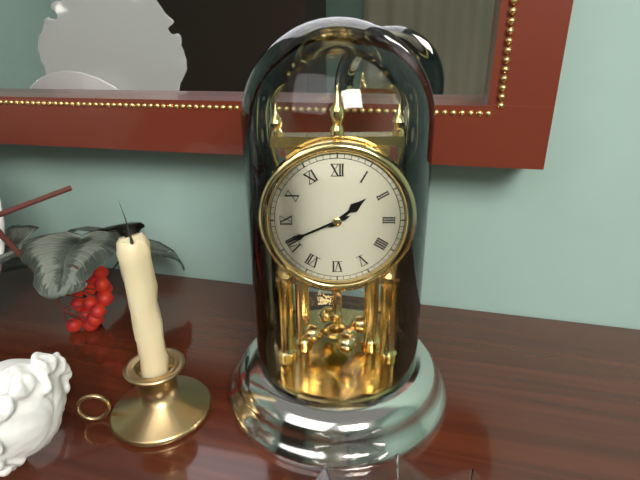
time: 1:41
